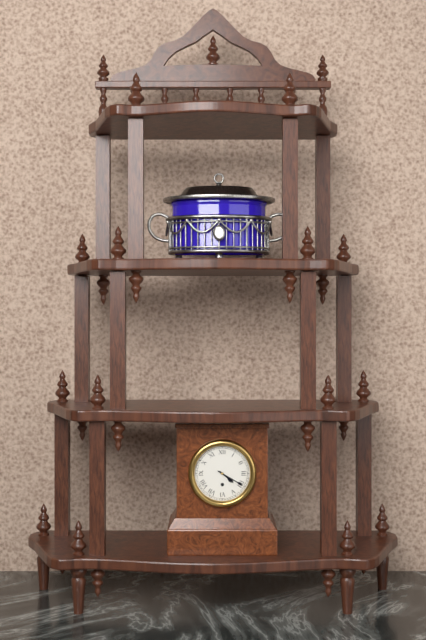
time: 4:20
